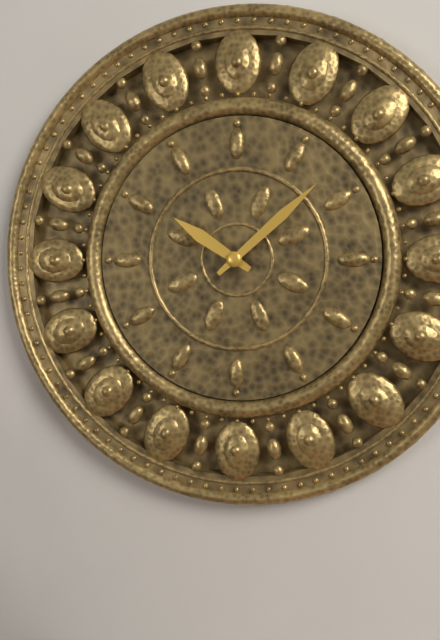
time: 10:08
